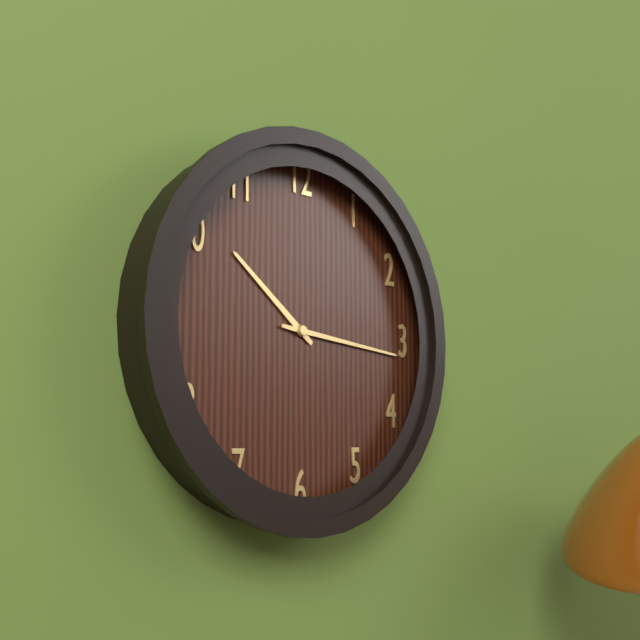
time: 10:16
